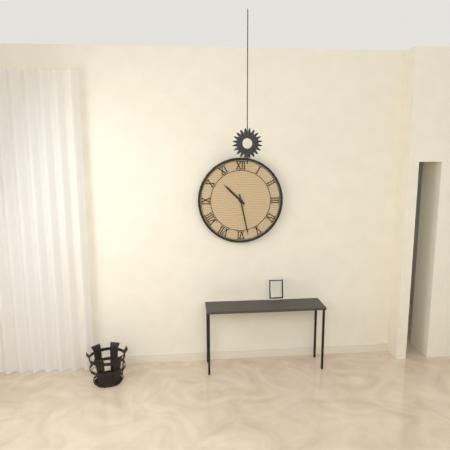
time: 10:28
